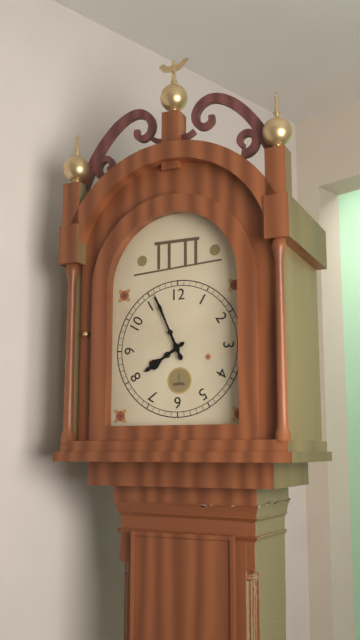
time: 7:56
